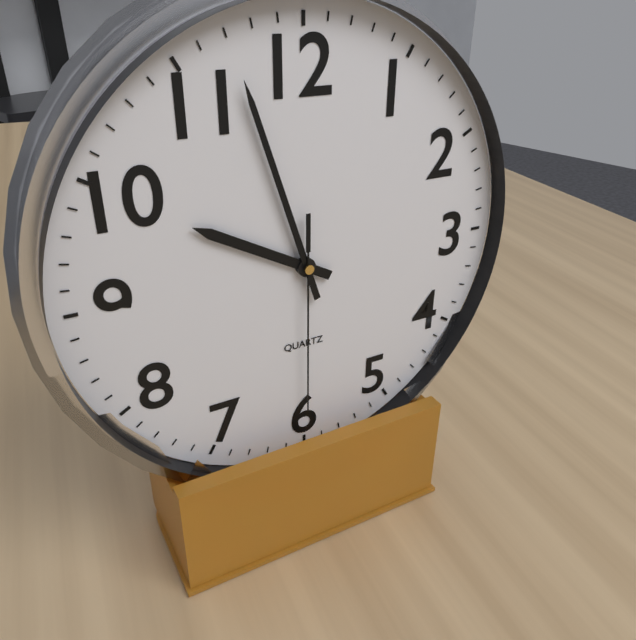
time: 9:57:30
